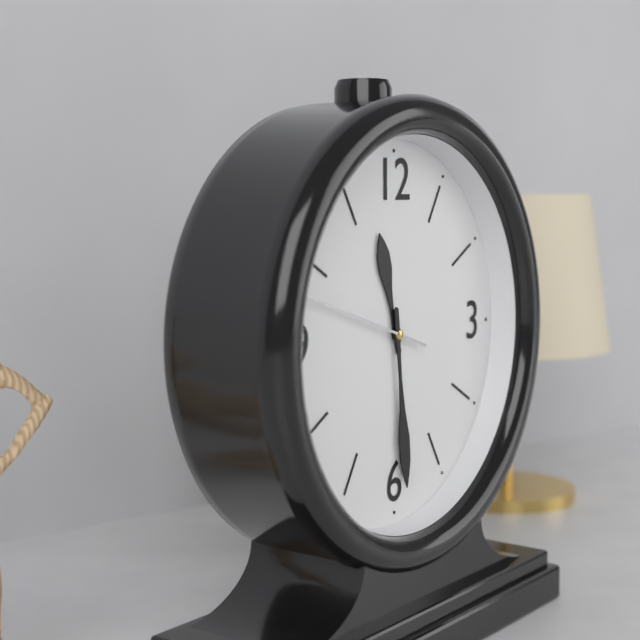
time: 11:29:48
